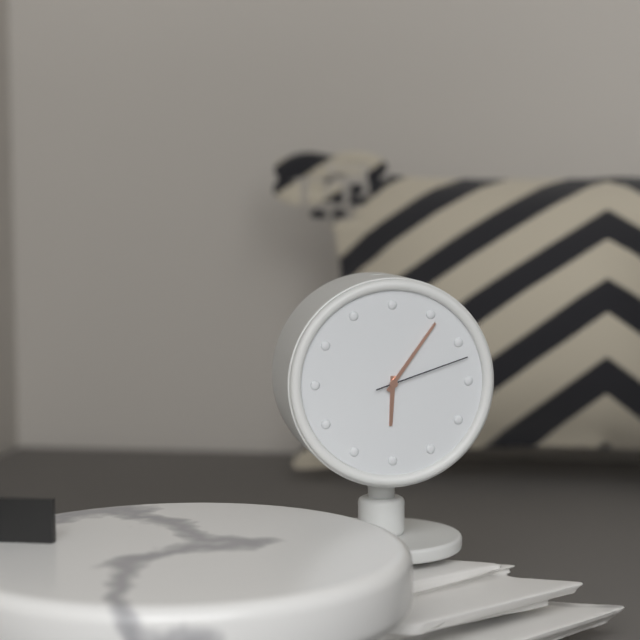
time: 6:06:12
